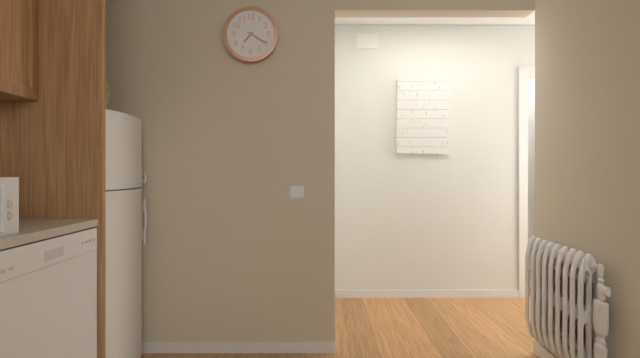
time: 7:20
